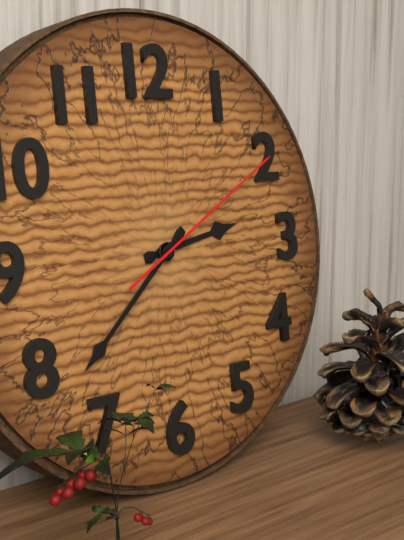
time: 2:38:10
